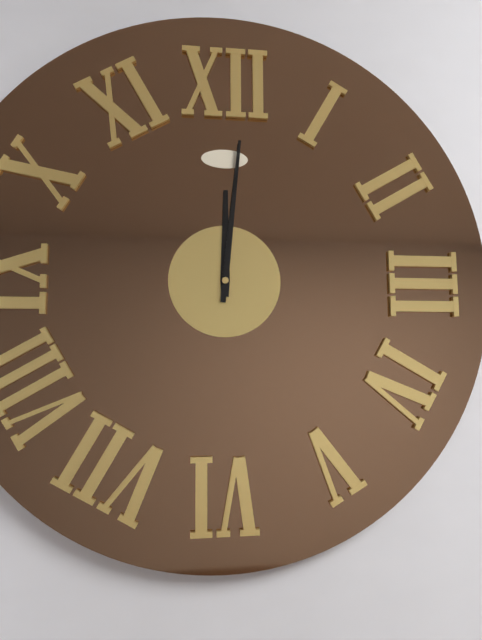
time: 12:01
